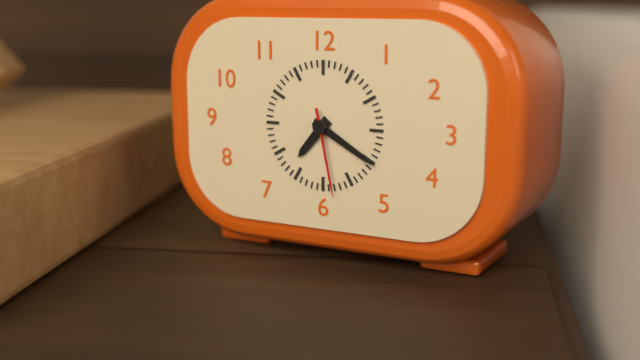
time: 7:20:28
